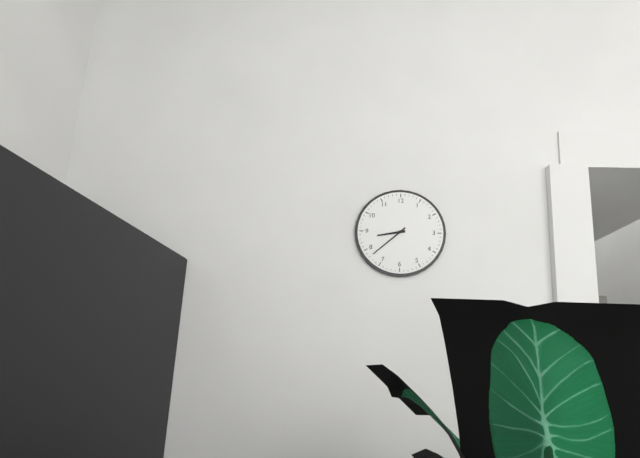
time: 8:38
